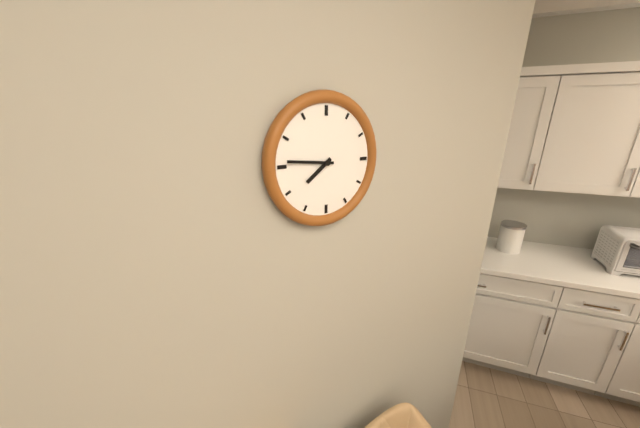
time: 7:46
